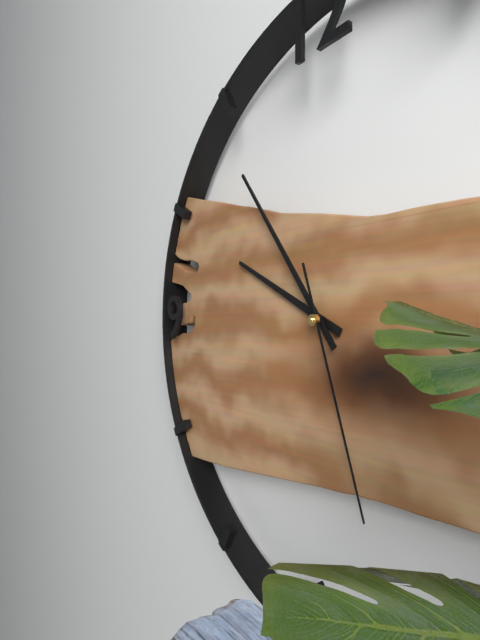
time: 9:54:27
